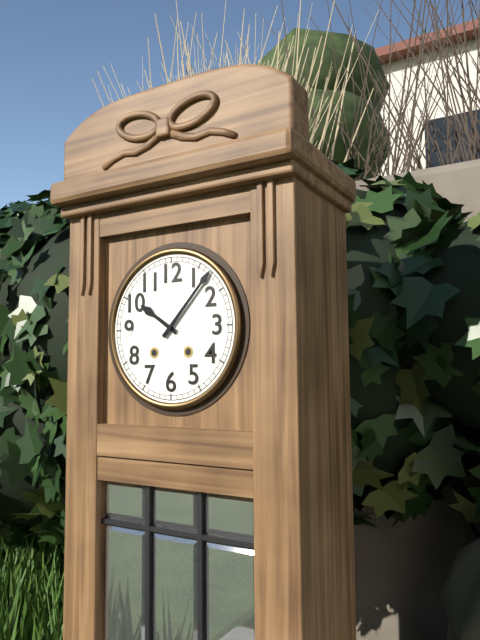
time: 10:07
